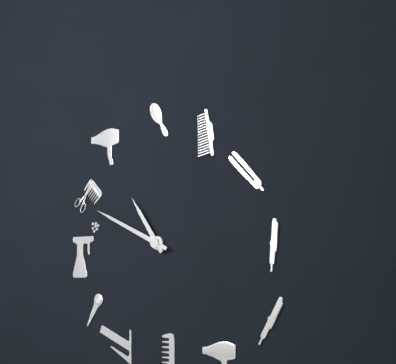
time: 10:49
